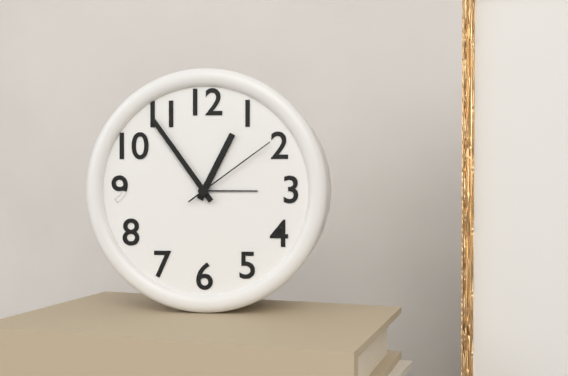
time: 12:54:09
